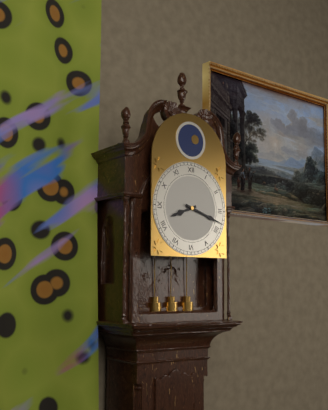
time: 8:18
